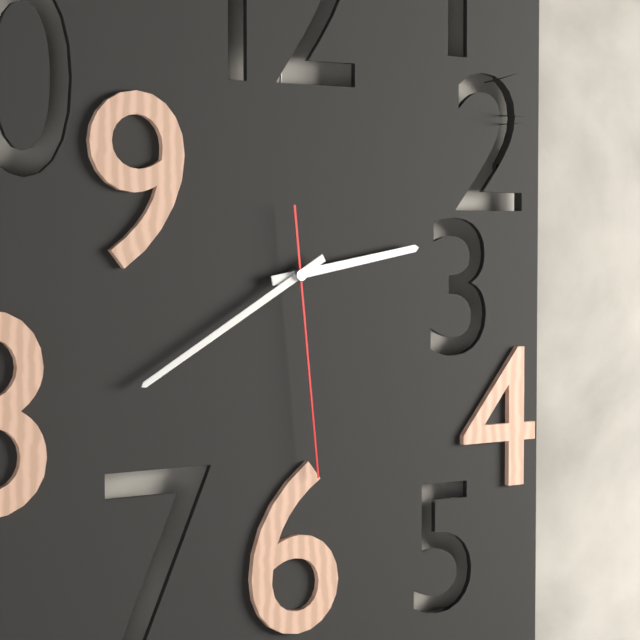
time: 2:40:29
